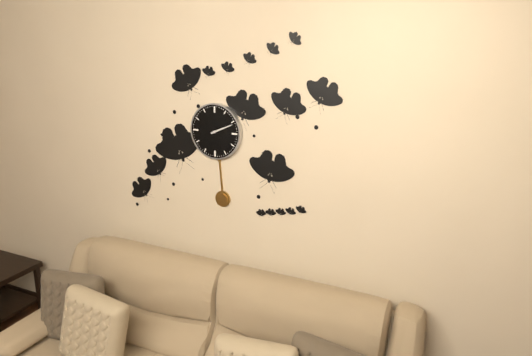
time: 2:11
